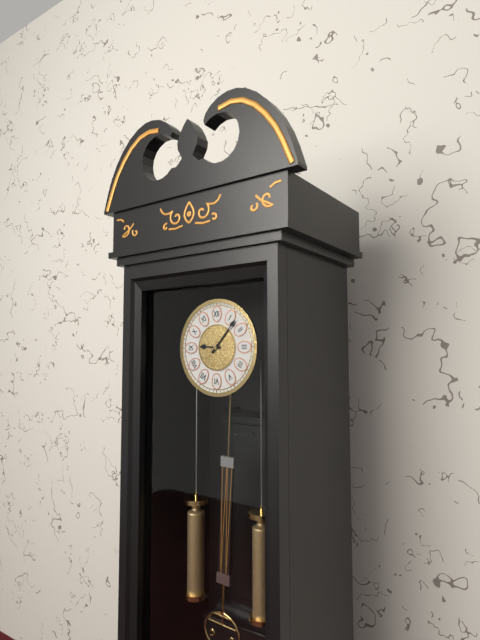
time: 9:07
